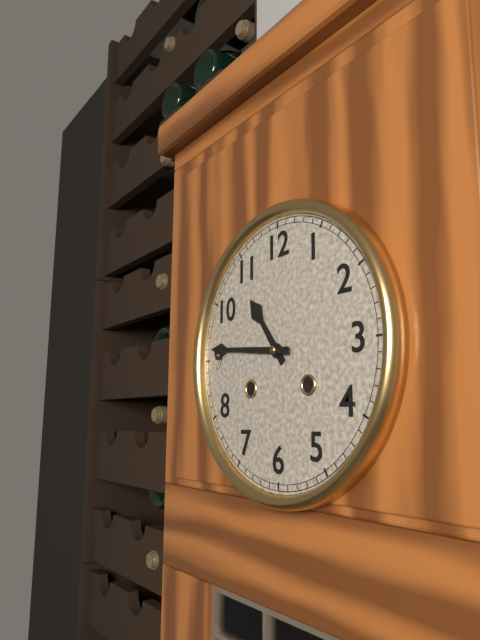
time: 10:46
